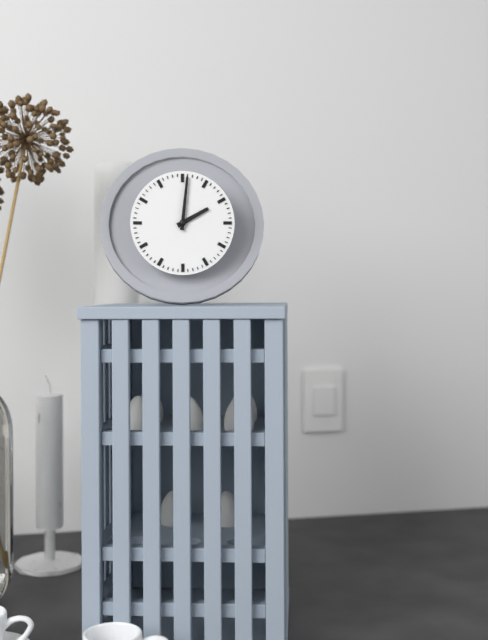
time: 2:01
